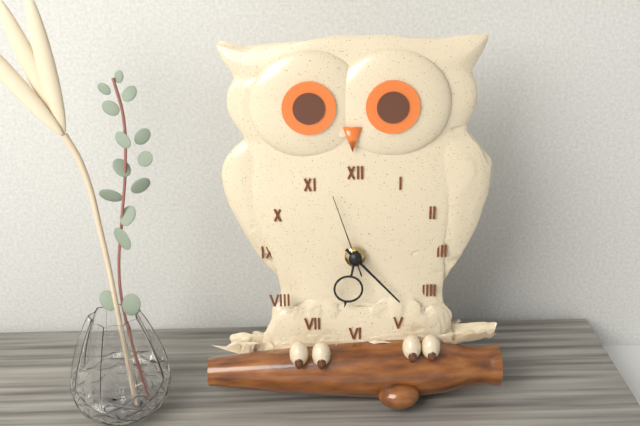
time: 6:23:57
